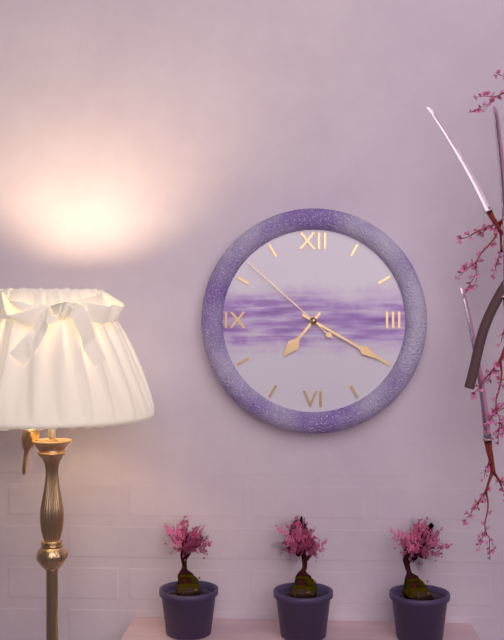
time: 7:20:52
